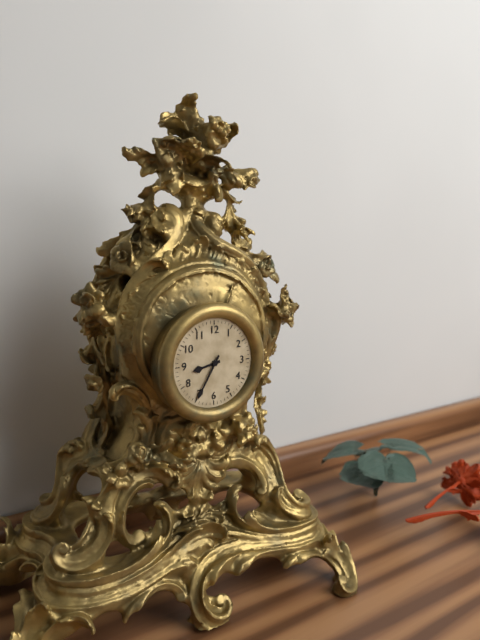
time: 8:35
